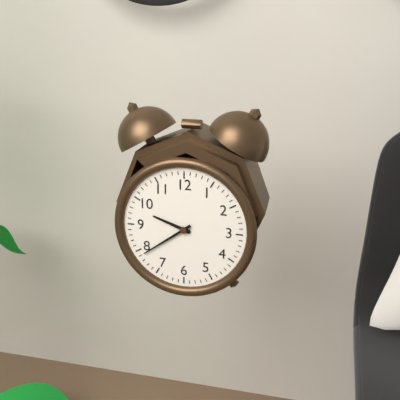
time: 9:39
